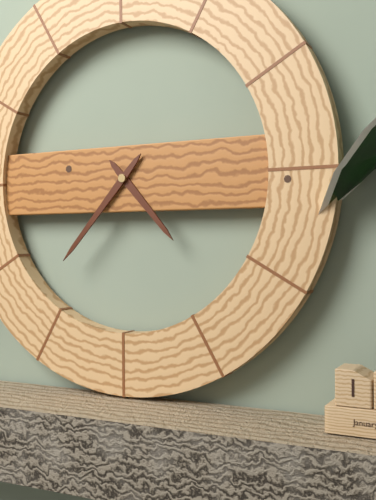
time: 4:37
